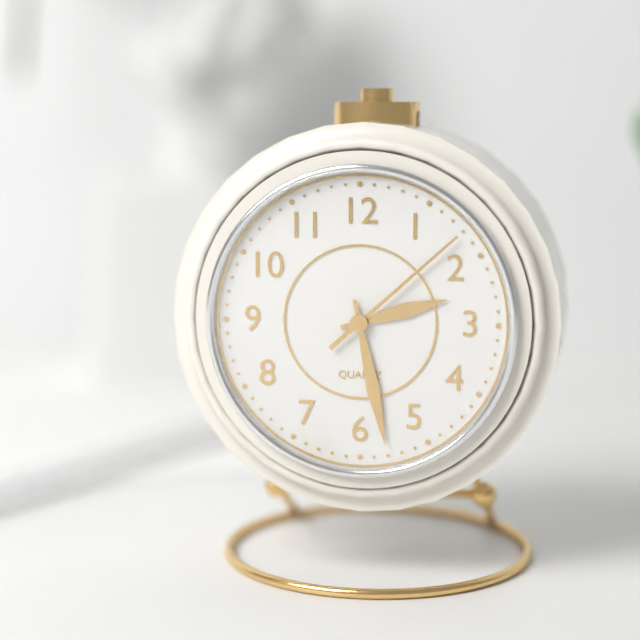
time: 2:28:08
